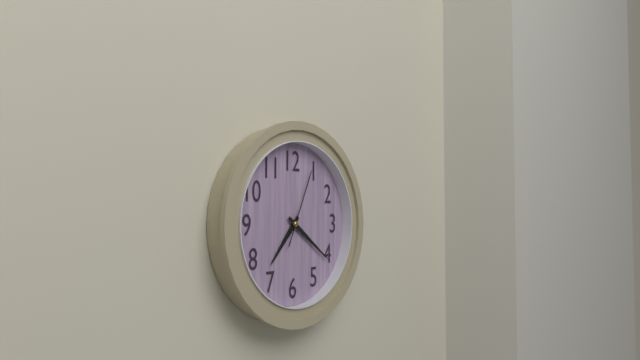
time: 7:21:04
